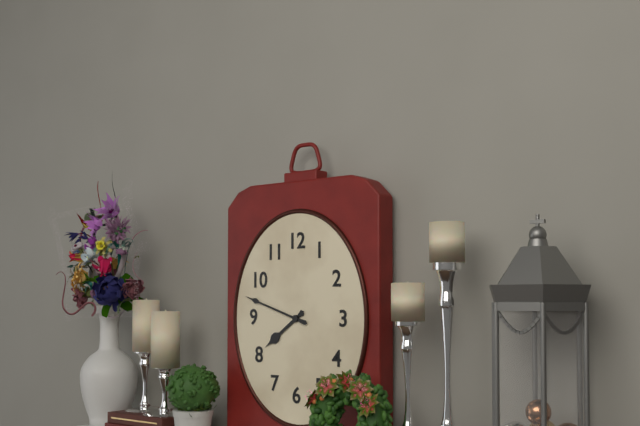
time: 7:48
